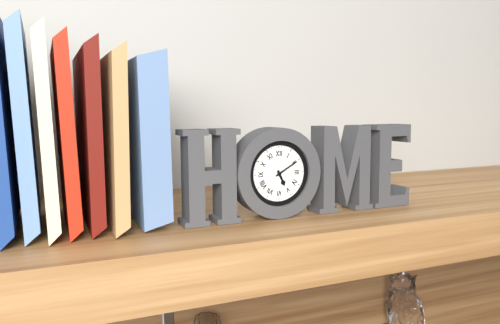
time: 5:10
